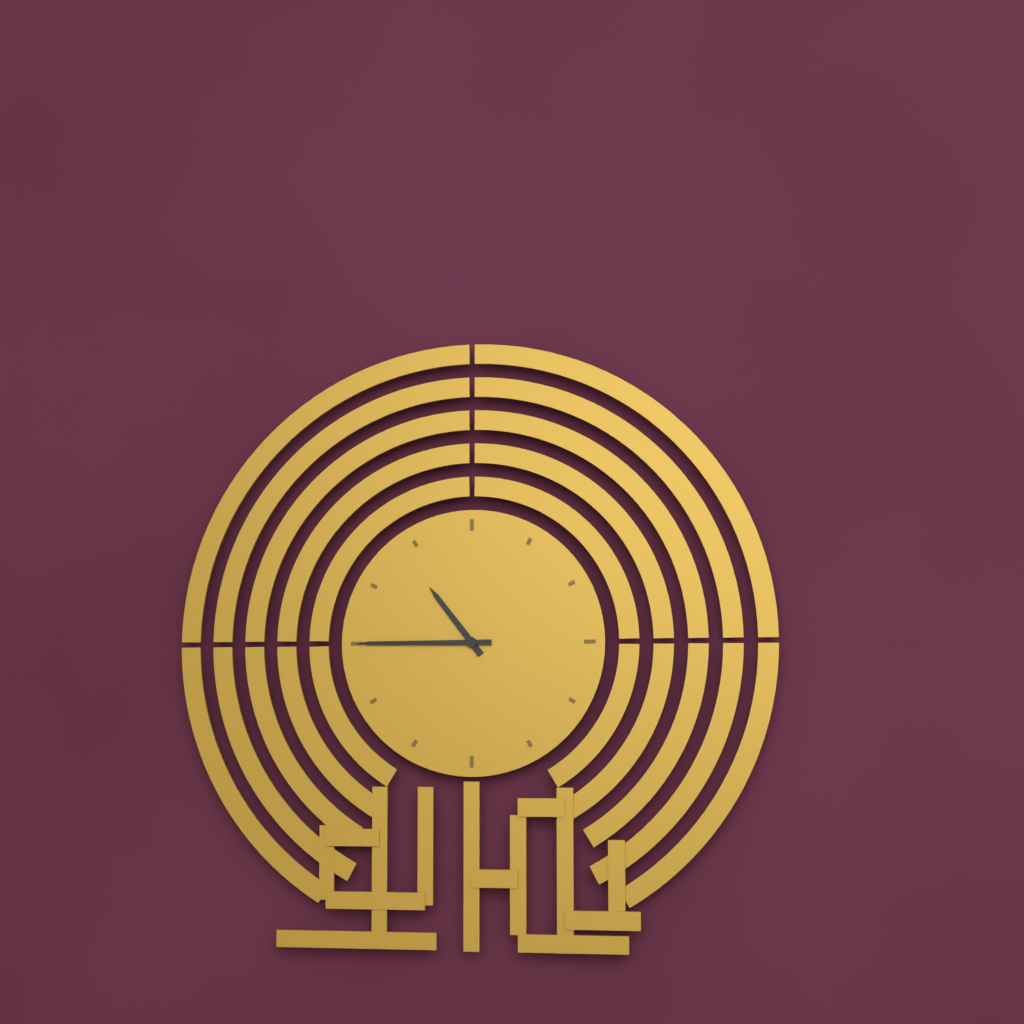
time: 10:45
